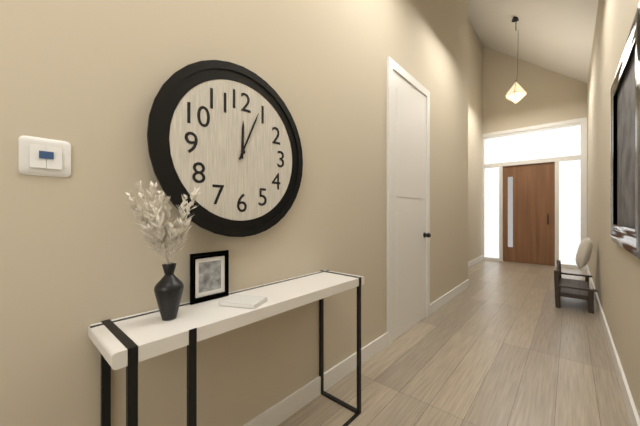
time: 12:04
